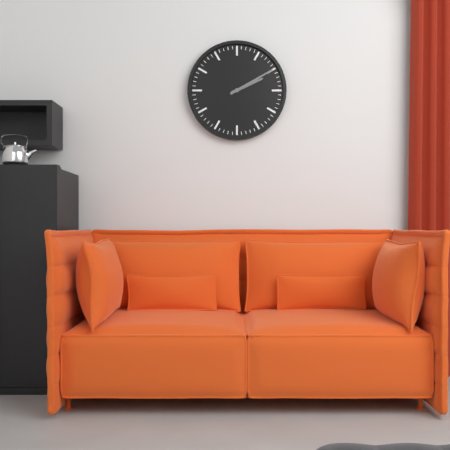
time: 2:10
